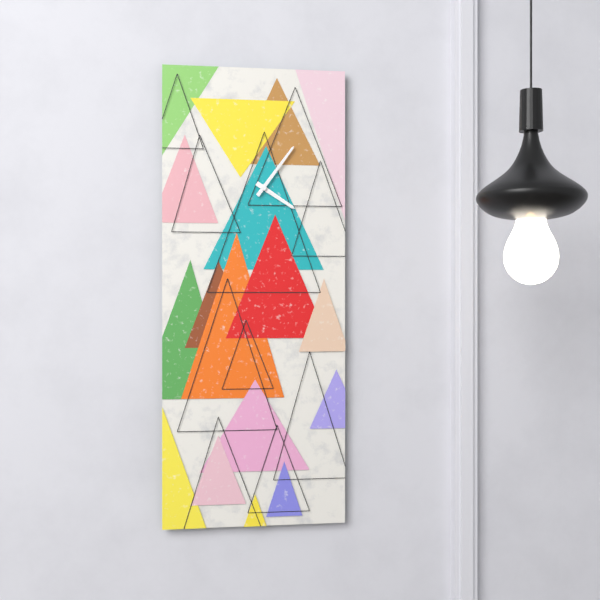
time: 4:06
